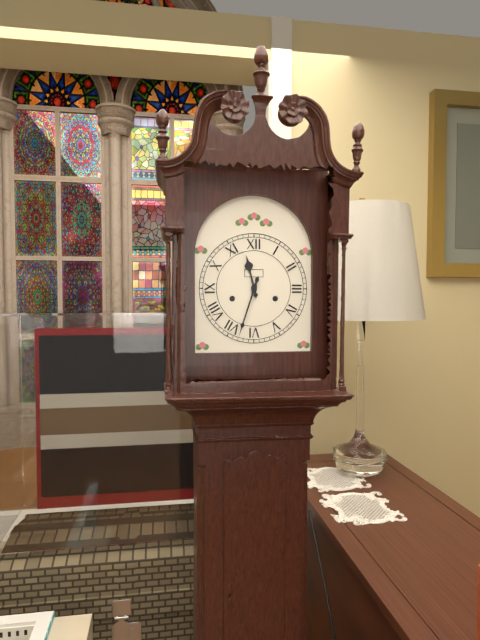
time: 11:33
